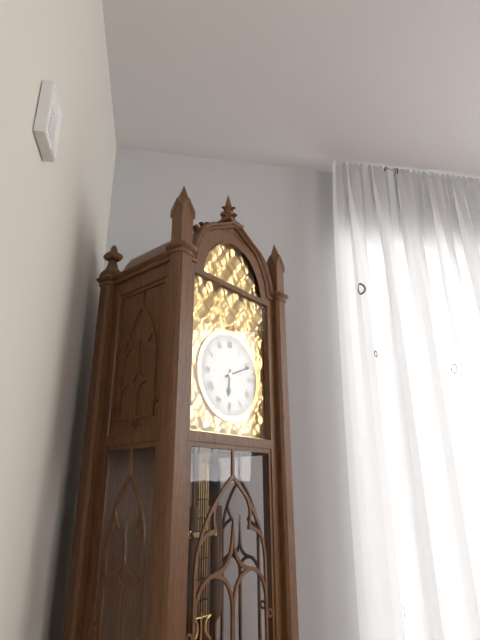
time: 6:11
